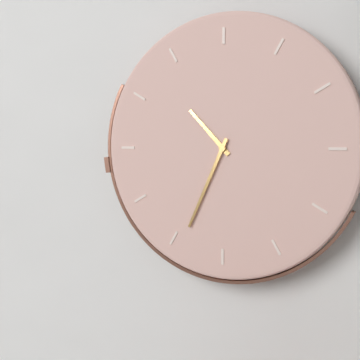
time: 10:34
